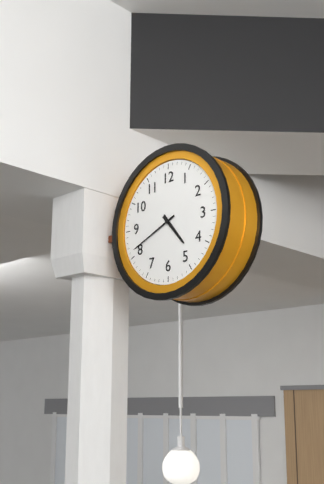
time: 4:41
